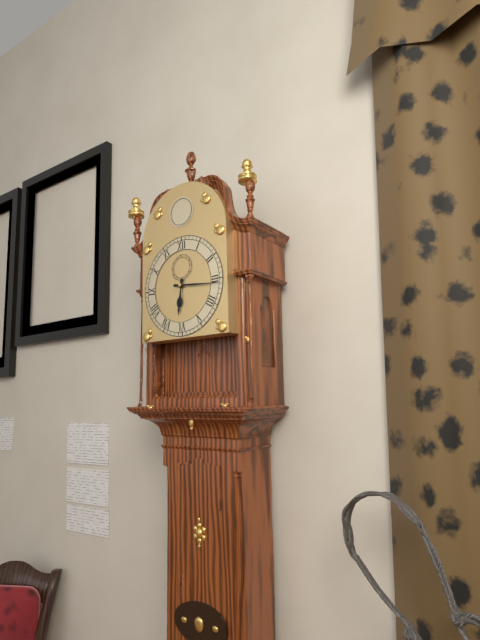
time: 6:16
